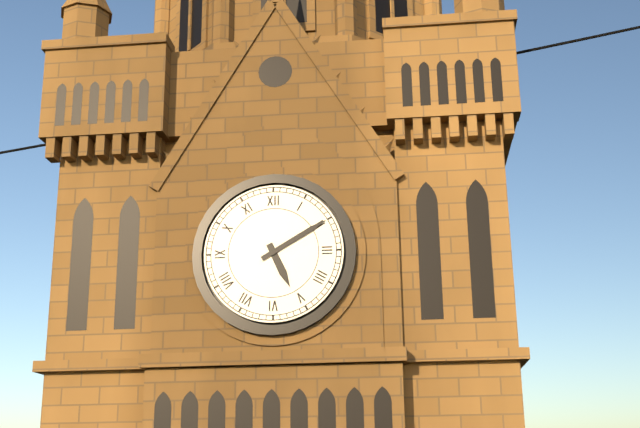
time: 5:10
